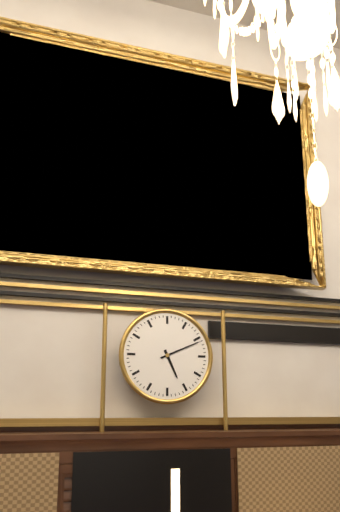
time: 5:11
